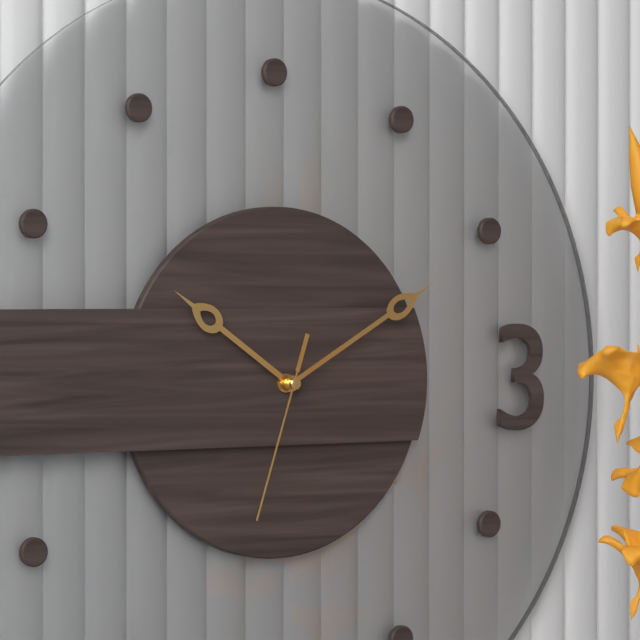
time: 10:10:33
